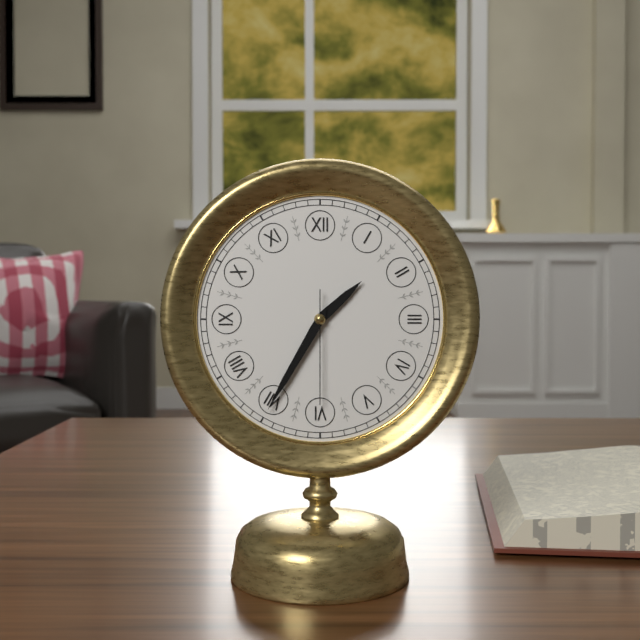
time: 1:35:30
